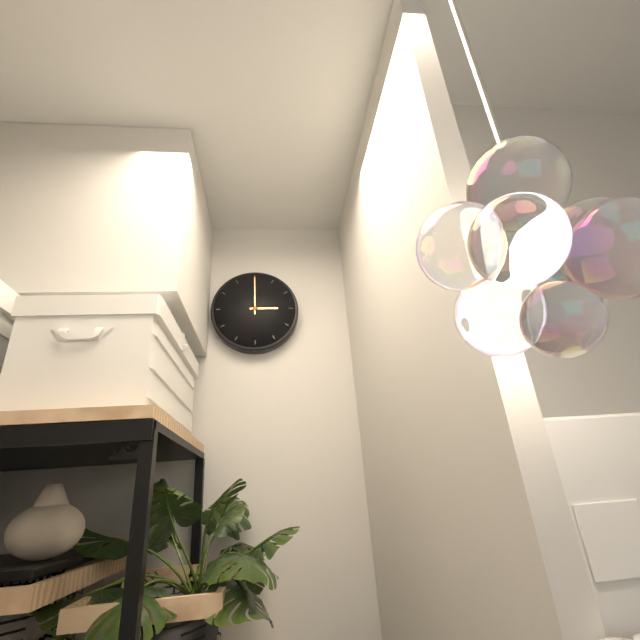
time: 3:00
